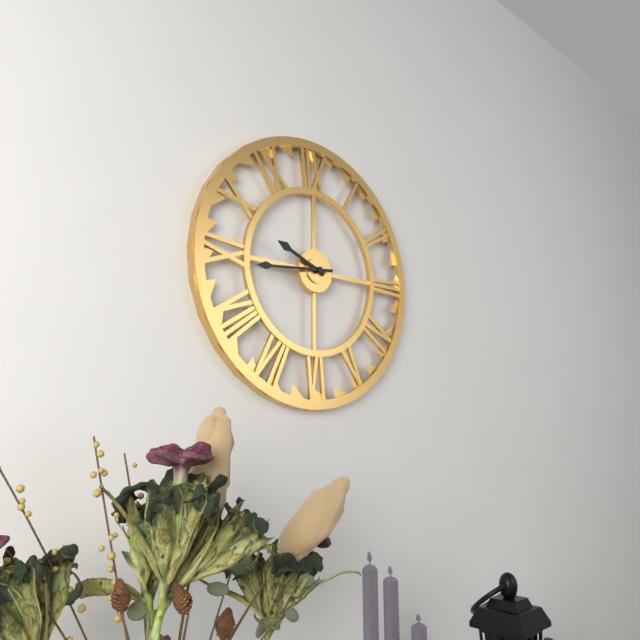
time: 9:44
